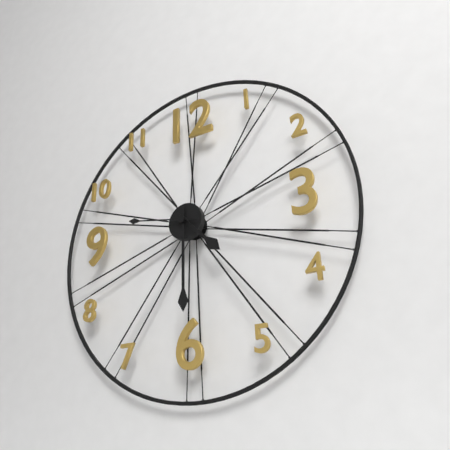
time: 4:30:47
